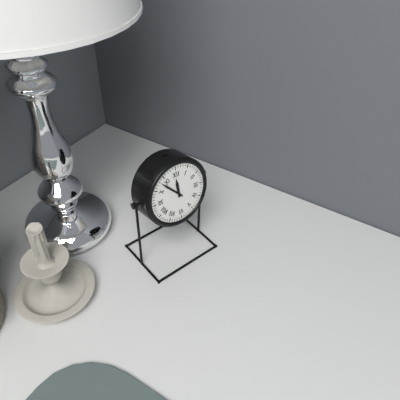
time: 11:53
